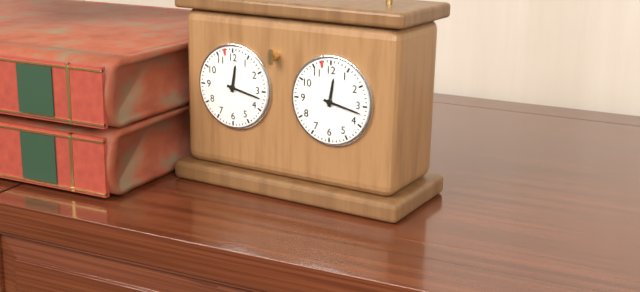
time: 12:17
